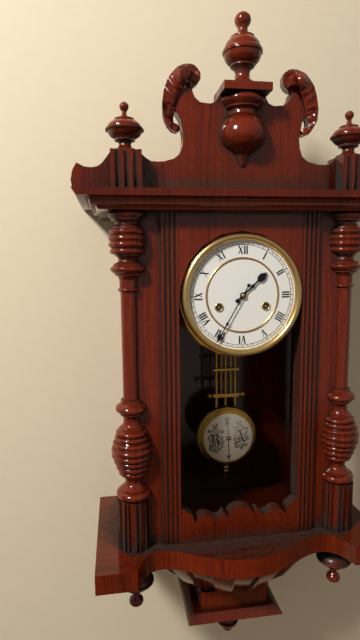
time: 1:35
